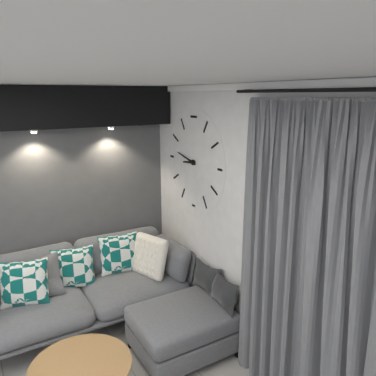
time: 8:47
